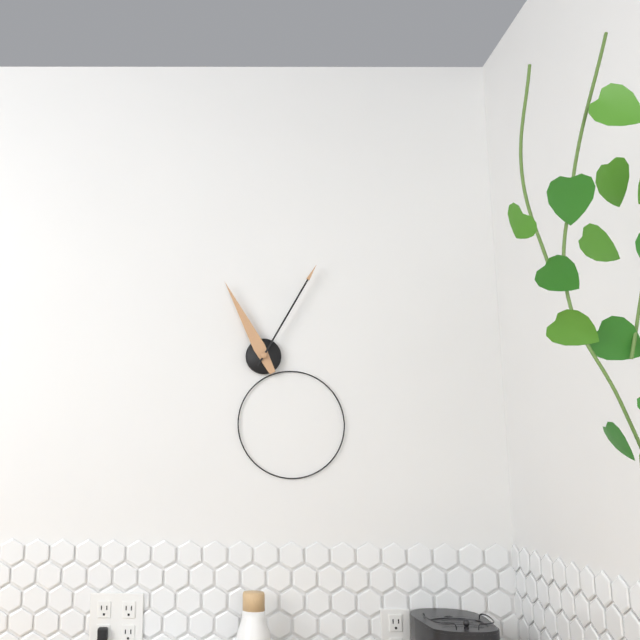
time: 11:05
